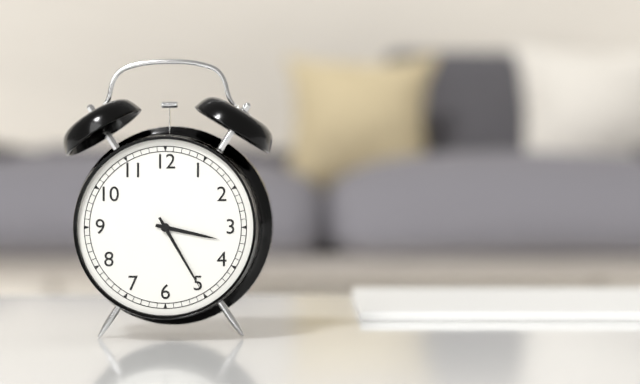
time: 3:25
